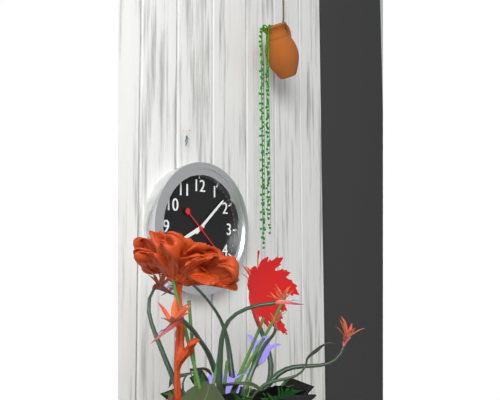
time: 8:08
